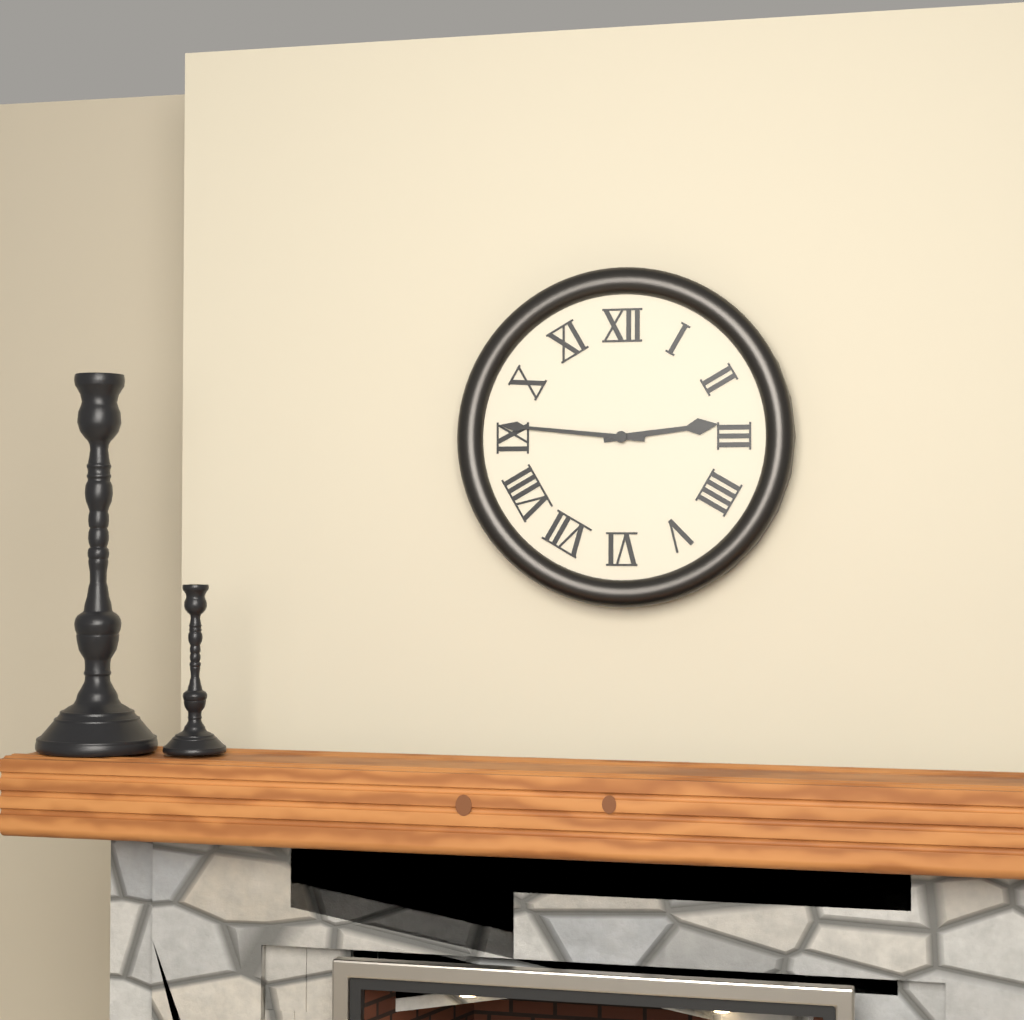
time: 2:46
